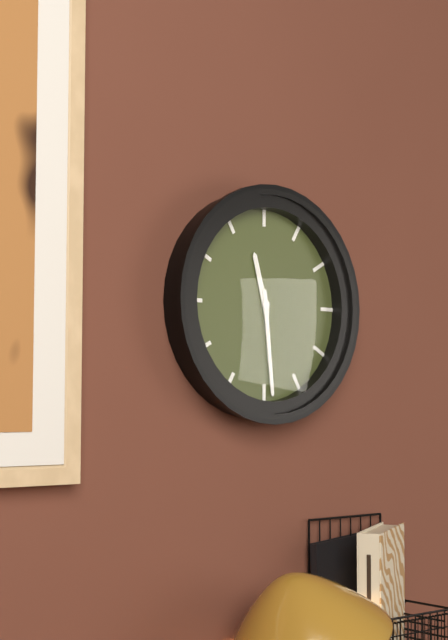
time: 11:29
